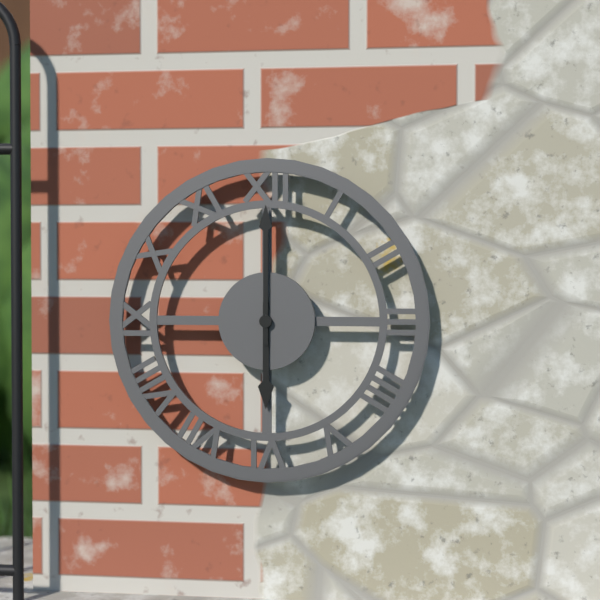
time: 6:00
